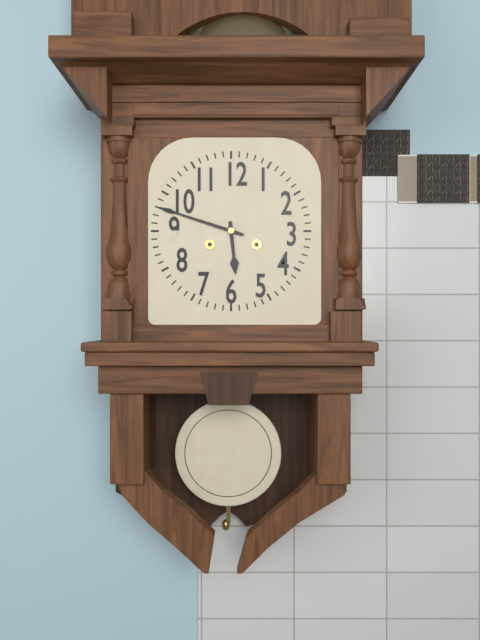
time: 5:48
